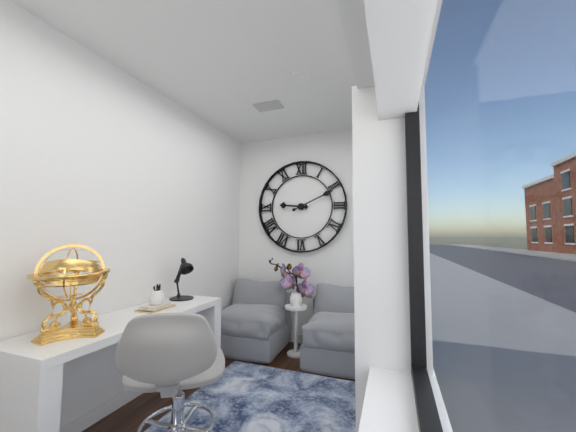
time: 9:11
